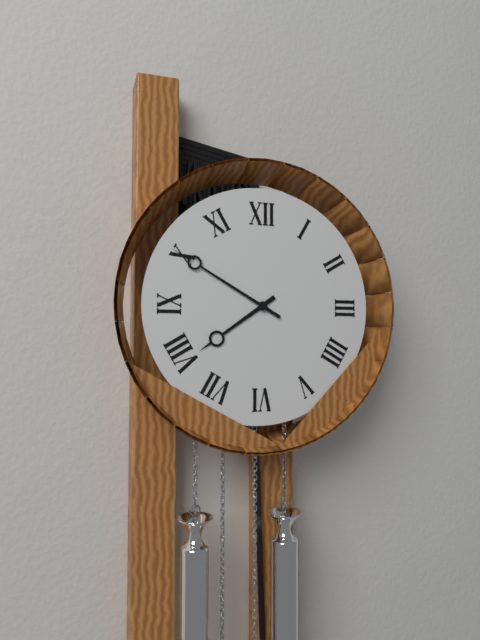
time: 7:50
